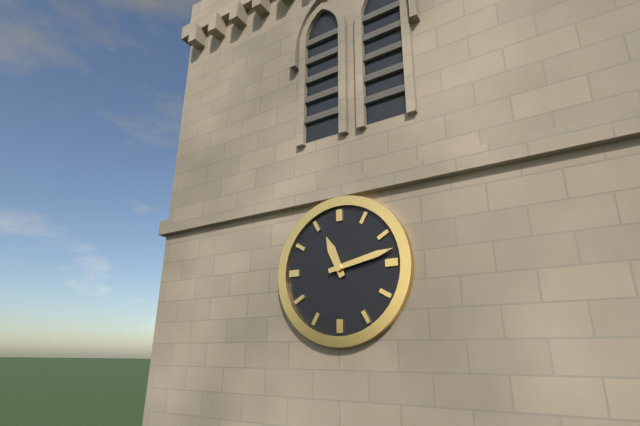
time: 11:13
